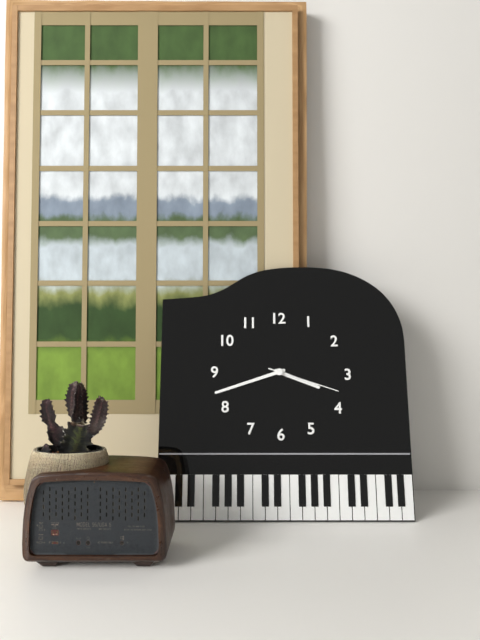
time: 3:42:18
